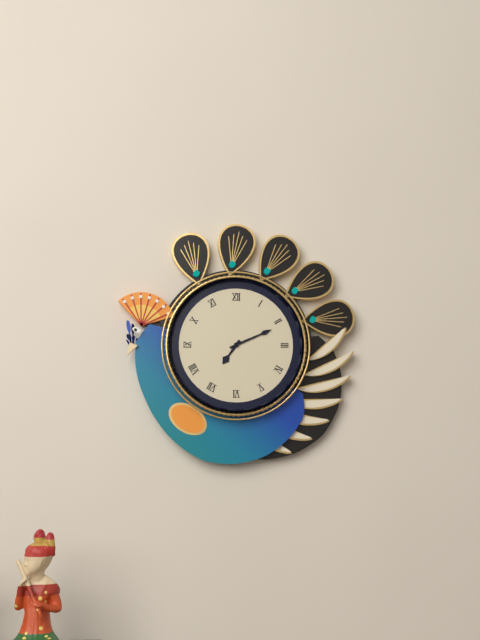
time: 7:11
